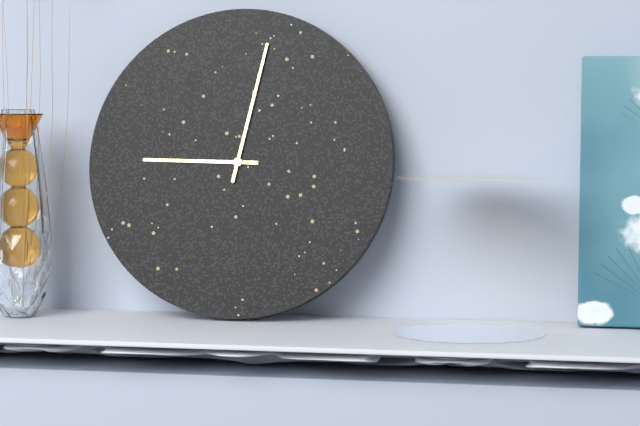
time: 9:02
